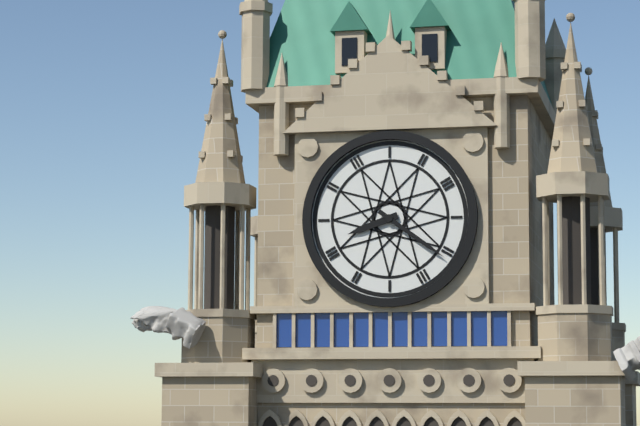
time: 8:21
